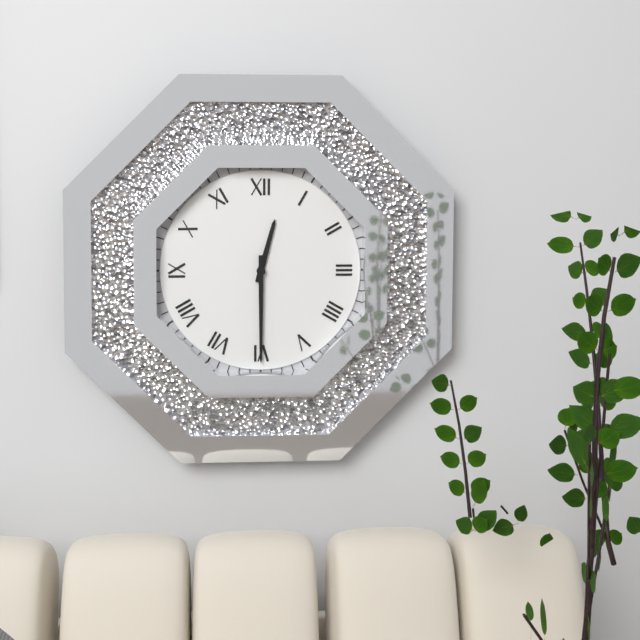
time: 12:30
